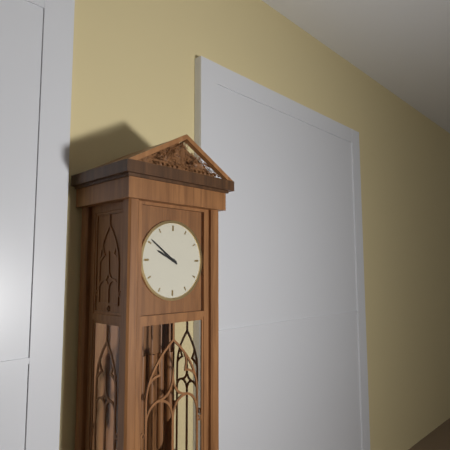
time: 9:51
